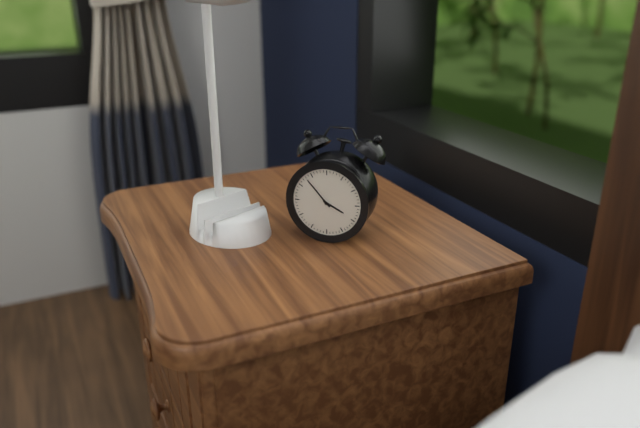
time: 3:53
